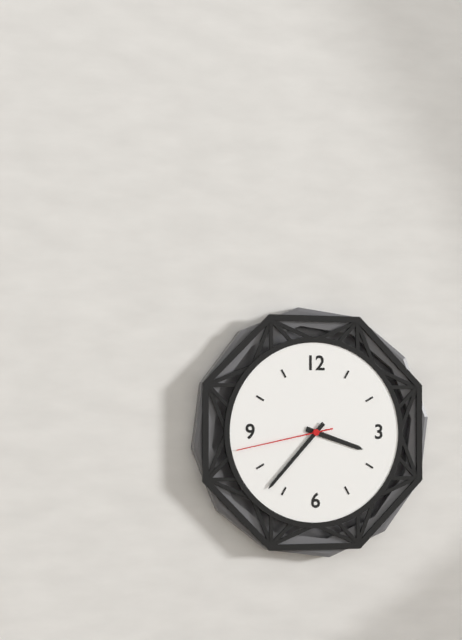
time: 3:37:43
